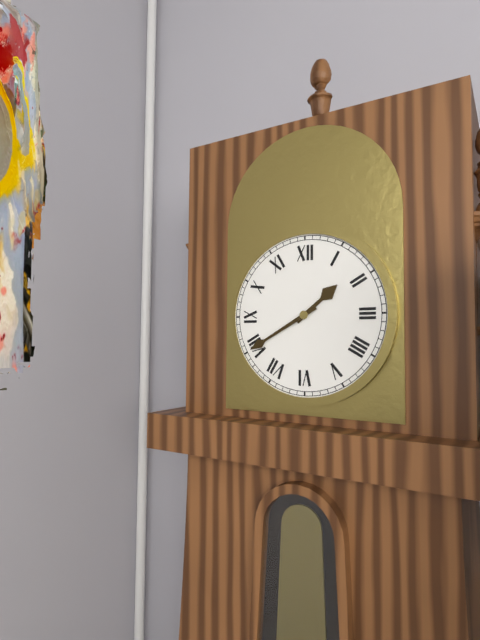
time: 1:40
